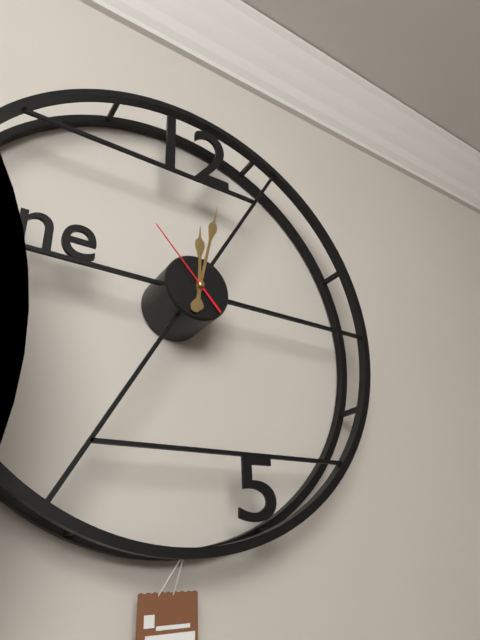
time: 12:02:53
